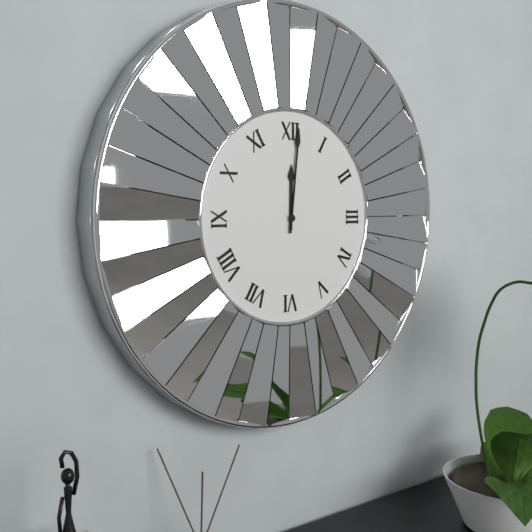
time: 12:01
